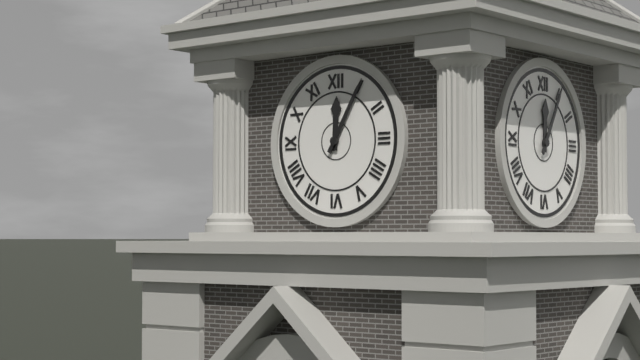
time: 12:05
